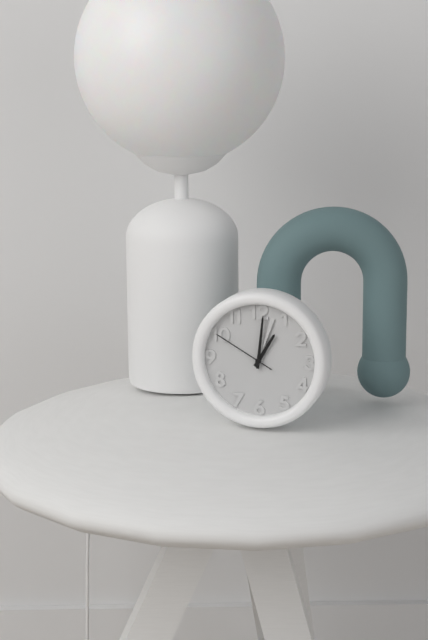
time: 1:01:50
